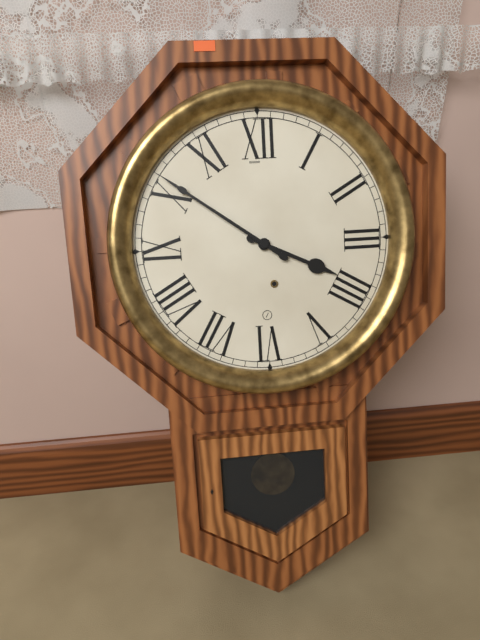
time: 3:51
